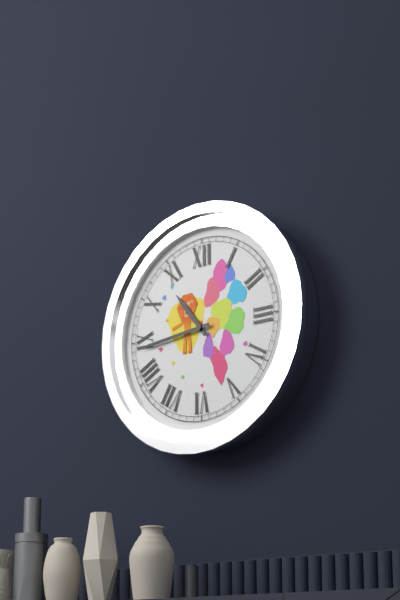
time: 10:44
